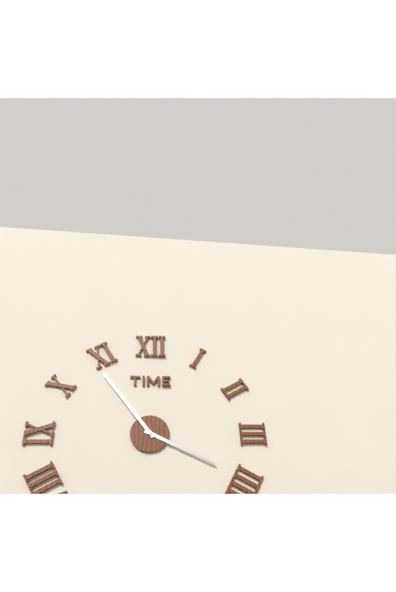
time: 3:54
